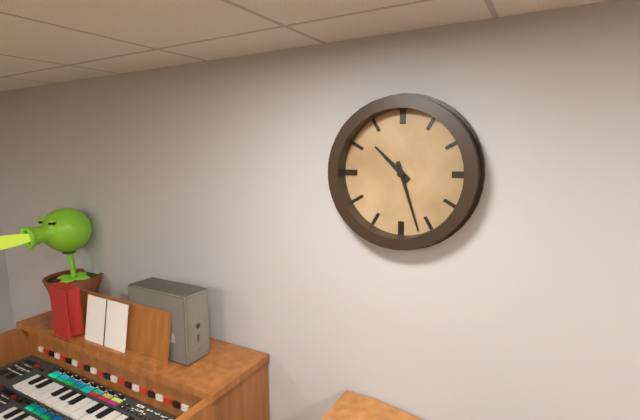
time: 10:27
